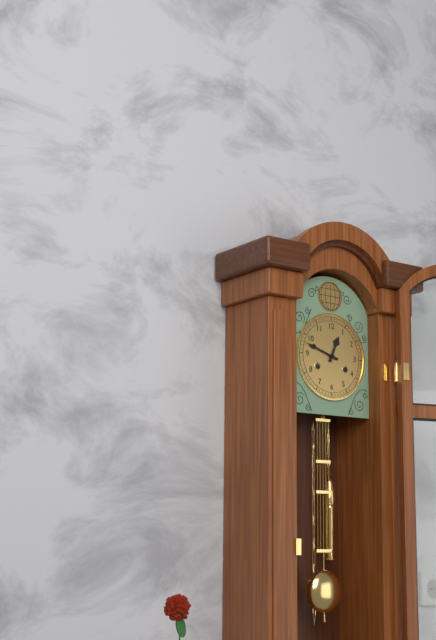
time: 12:48
